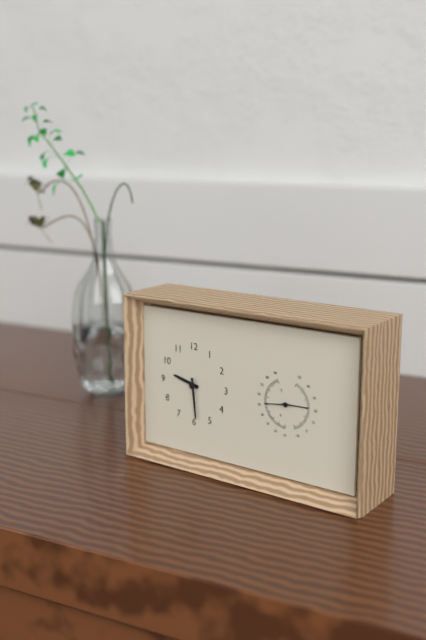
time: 9:29
